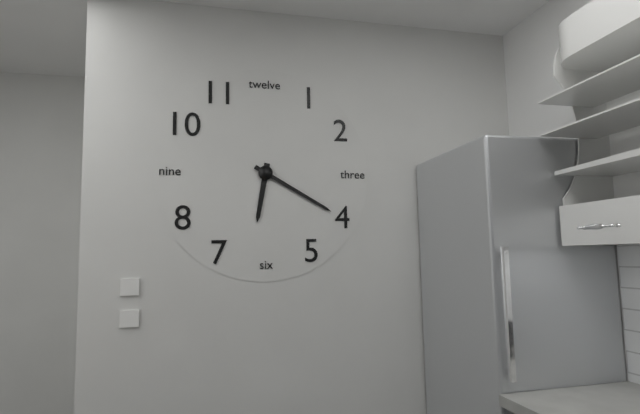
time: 6:20
